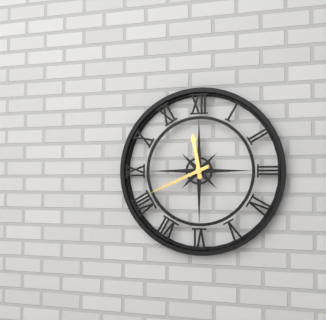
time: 11:41
